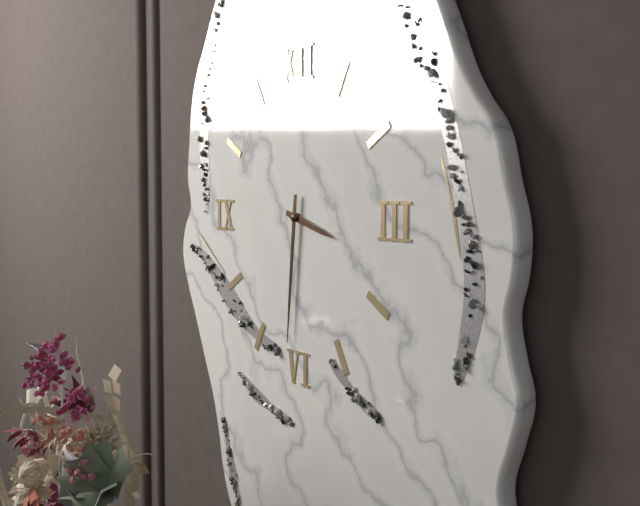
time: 3:31
